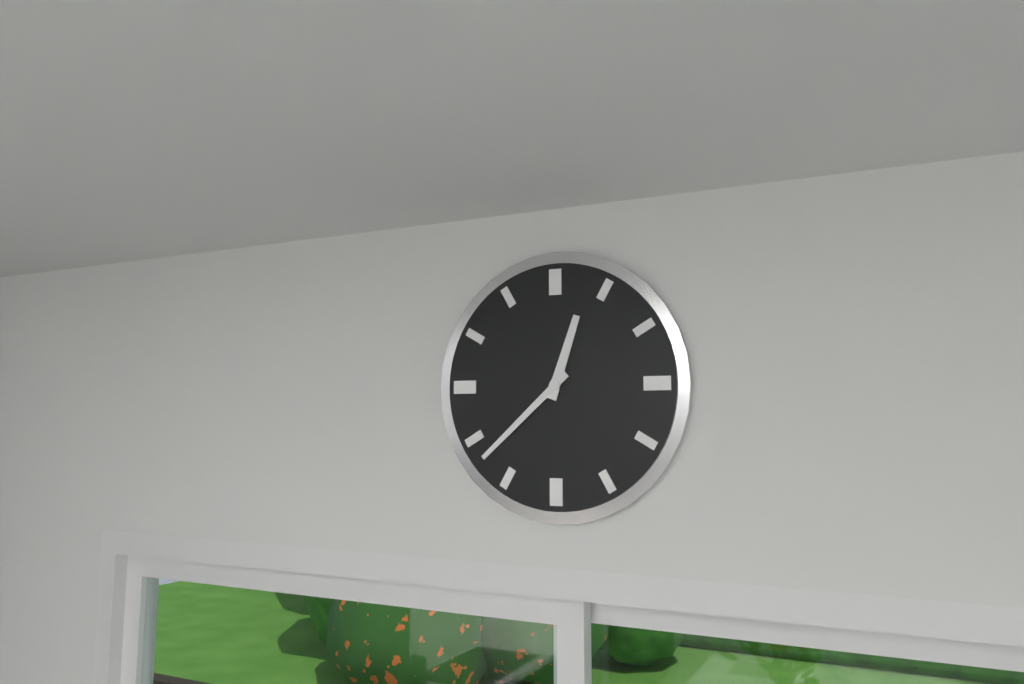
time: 12:38
